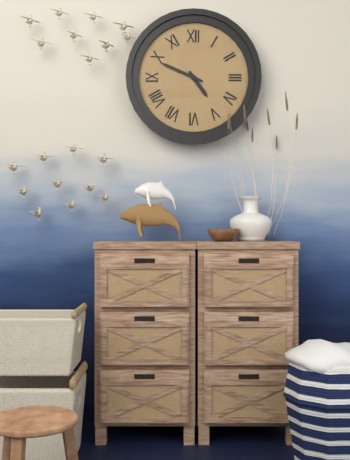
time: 4:49
